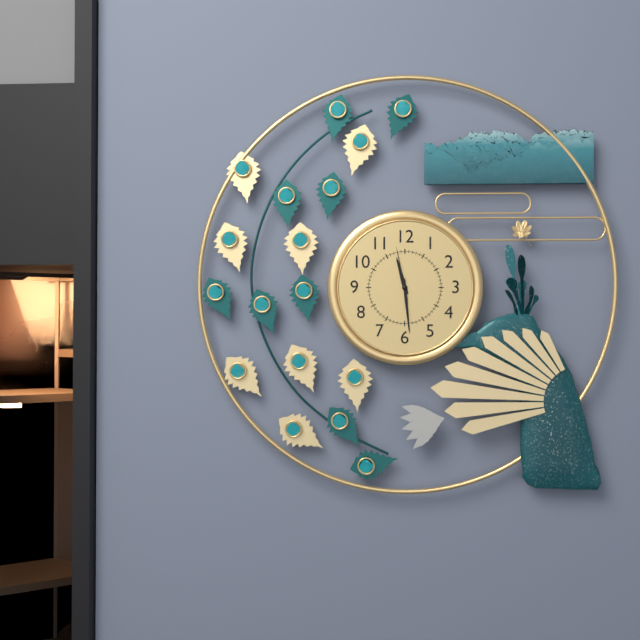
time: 11:29:58
